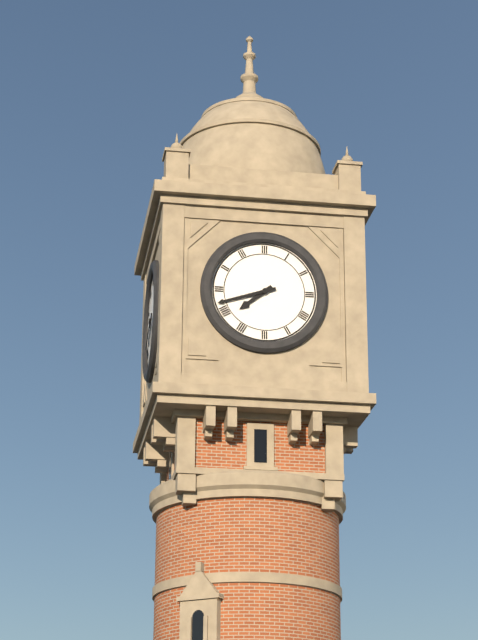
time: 7:42
